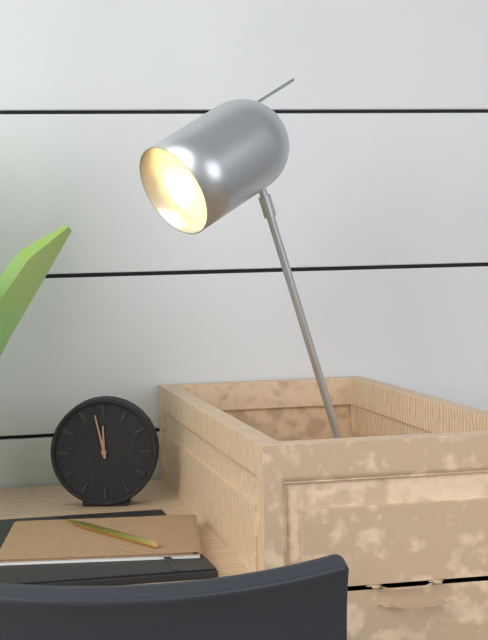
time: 11:58
